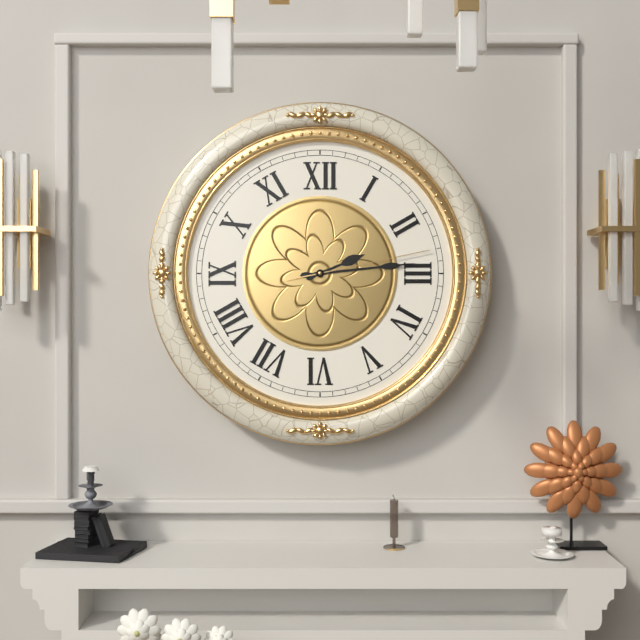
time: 2:14:13
